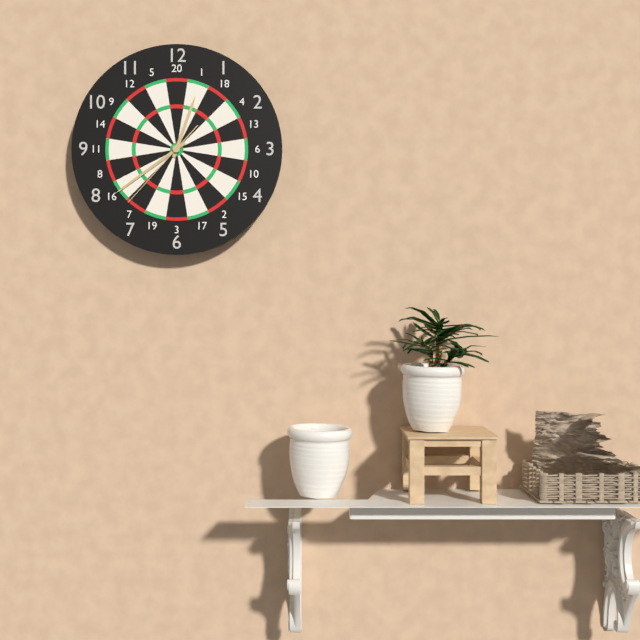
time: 12:39:37
